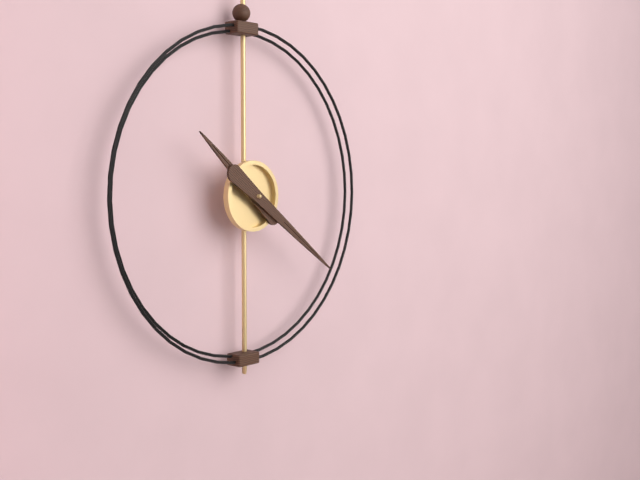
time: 10:21
